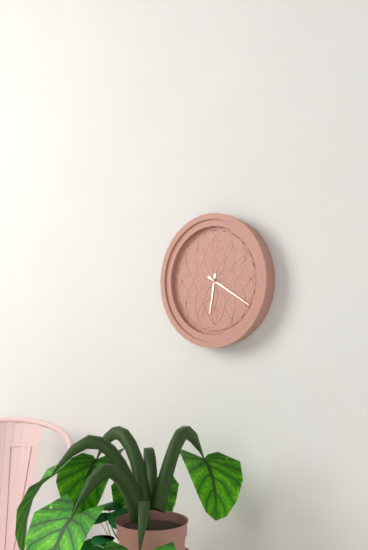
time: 6:20
